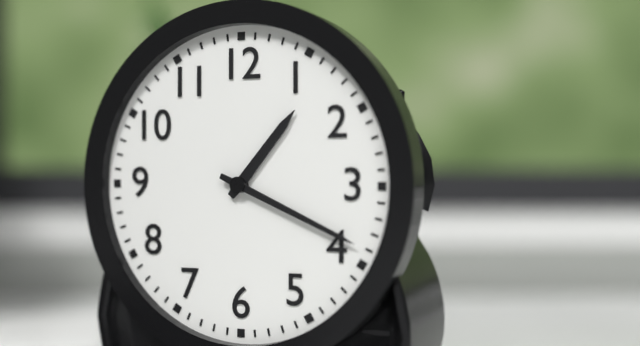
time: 1:19
